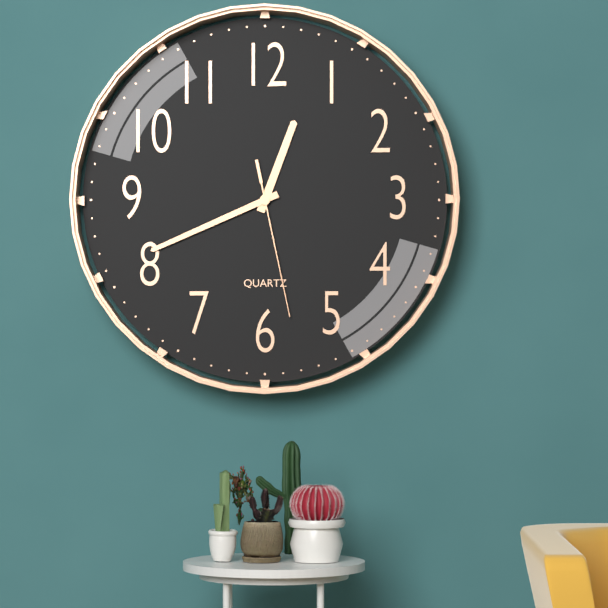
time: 12:41:28
